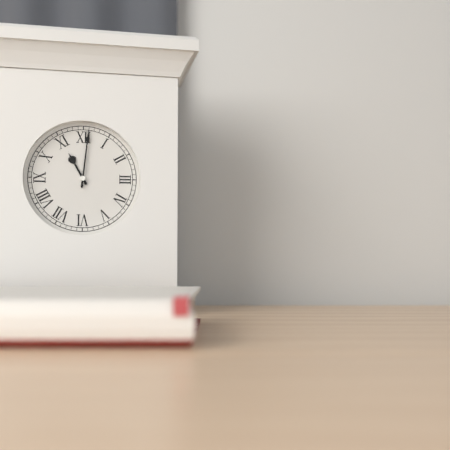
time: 11:01
